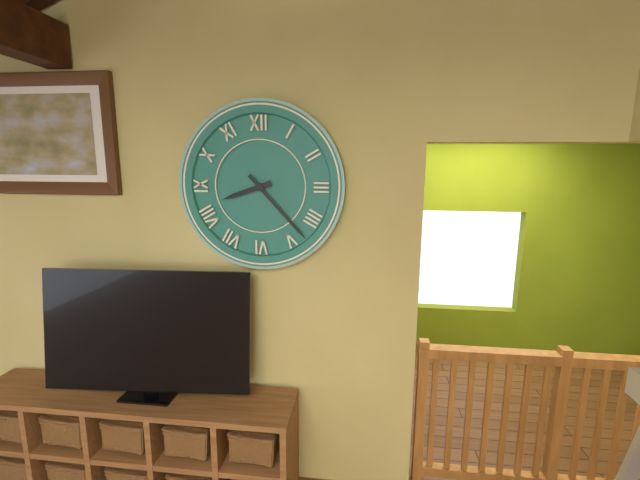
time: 8:23
